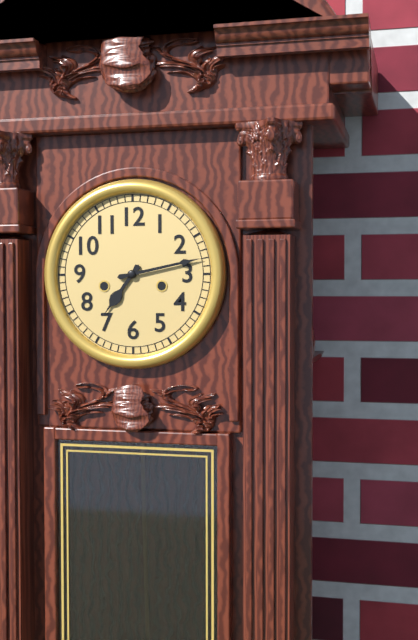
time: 7:13
